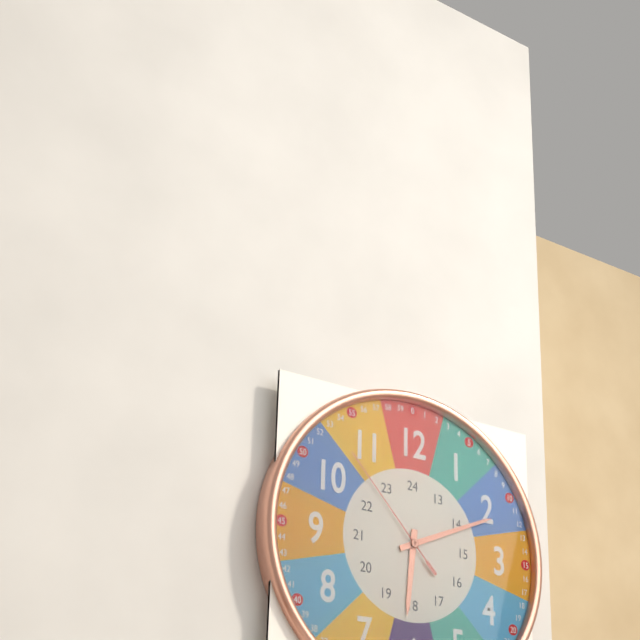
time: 6:11:53
